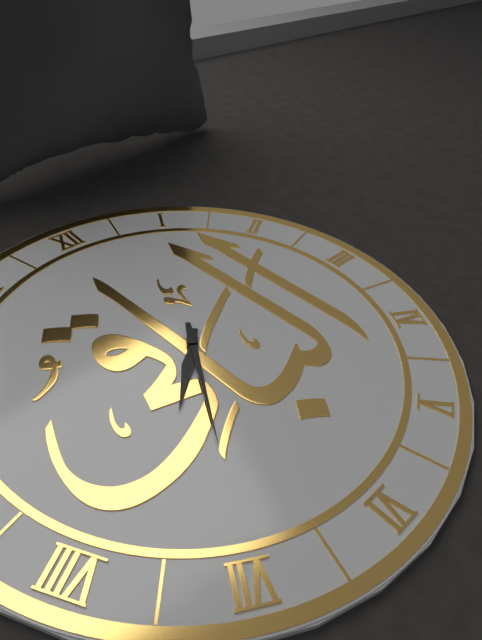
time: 7:35
